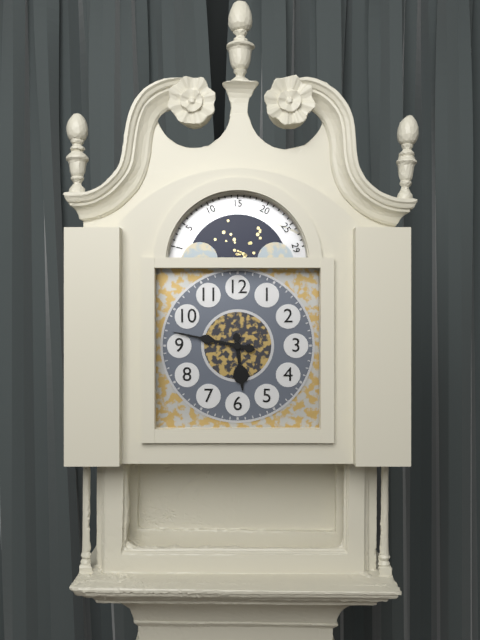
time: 5:47
